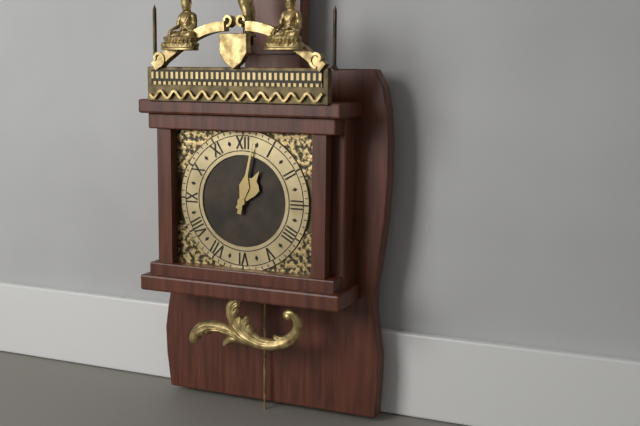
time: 1:02
